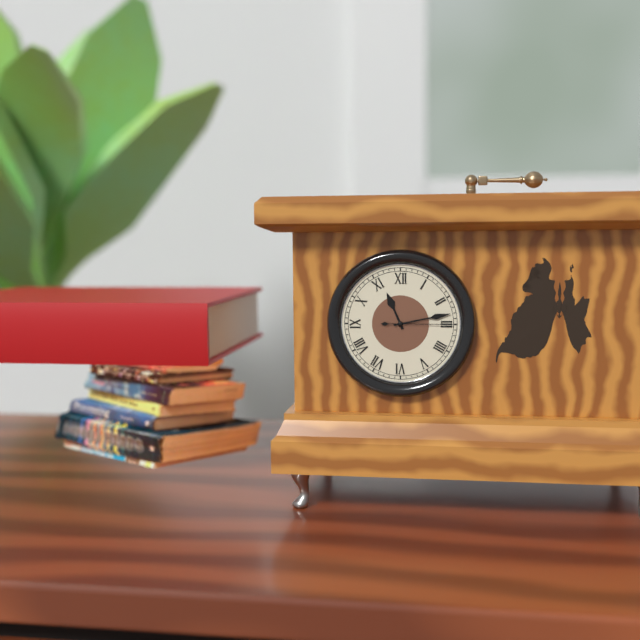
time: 11:13:15
